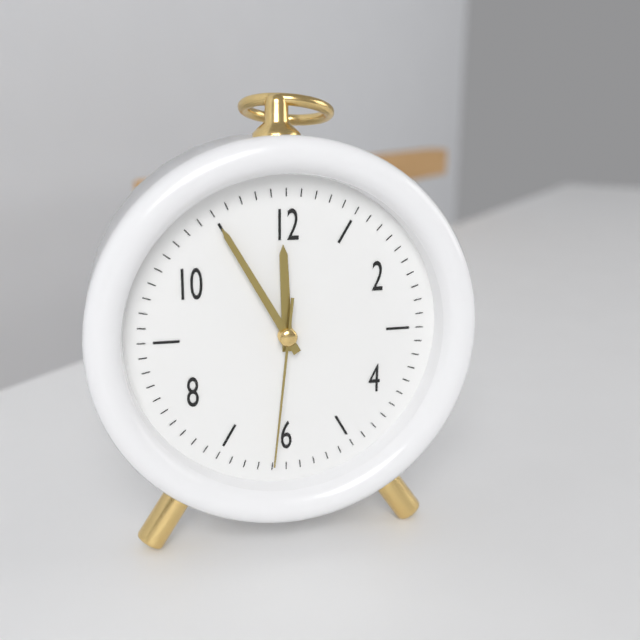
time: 11:55:31
